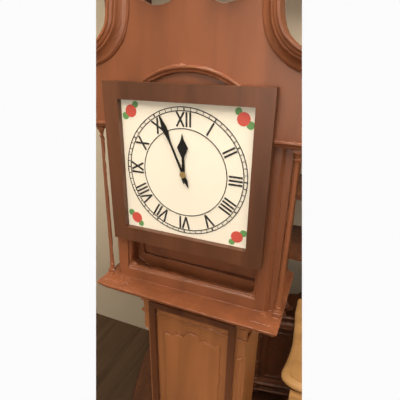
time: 11:56
